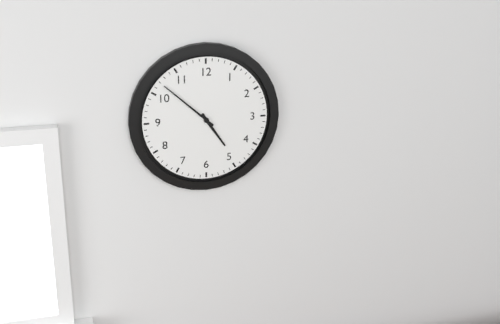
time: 4:52
